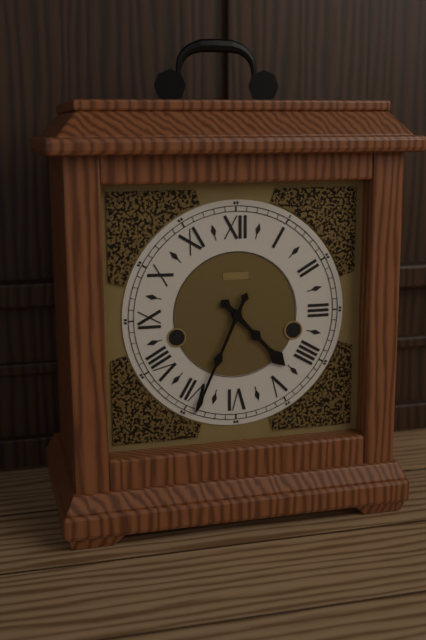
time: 4:34
